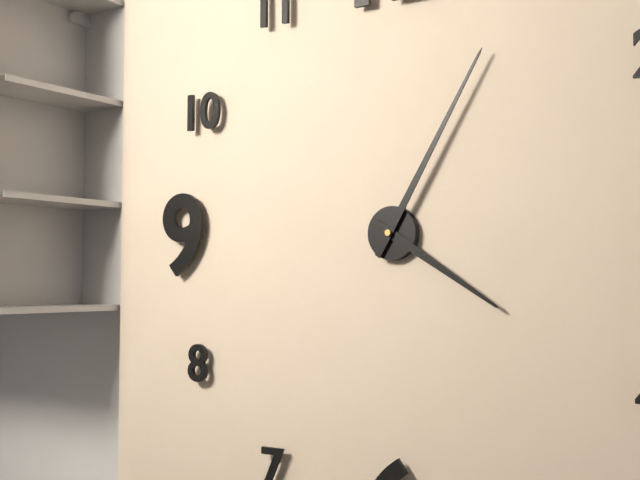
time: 4:05
